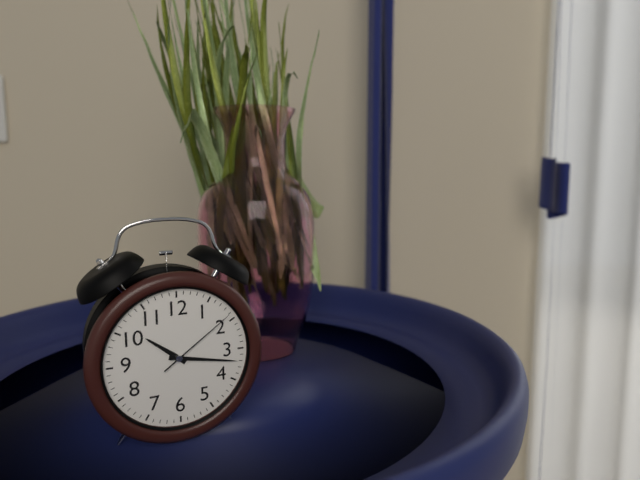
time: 10:17:09
